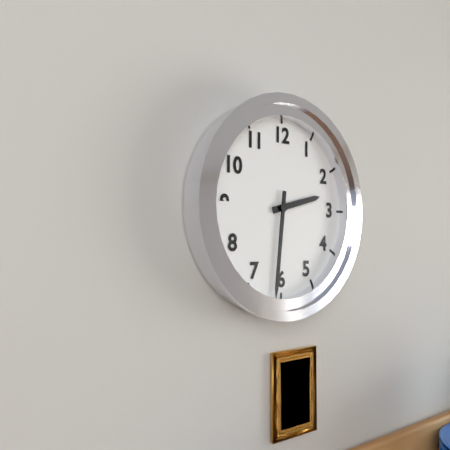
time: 2:31
